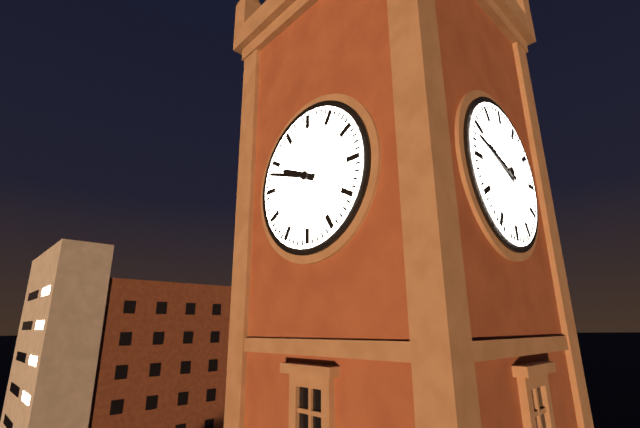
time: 9:48
